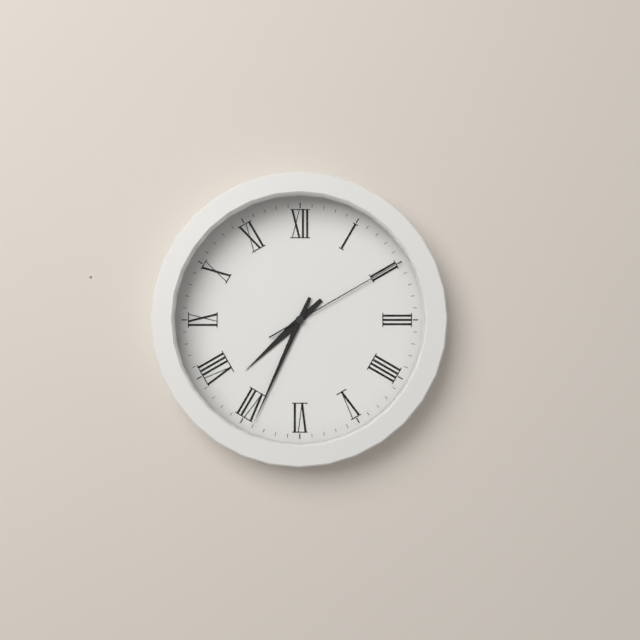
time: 7:34:10
